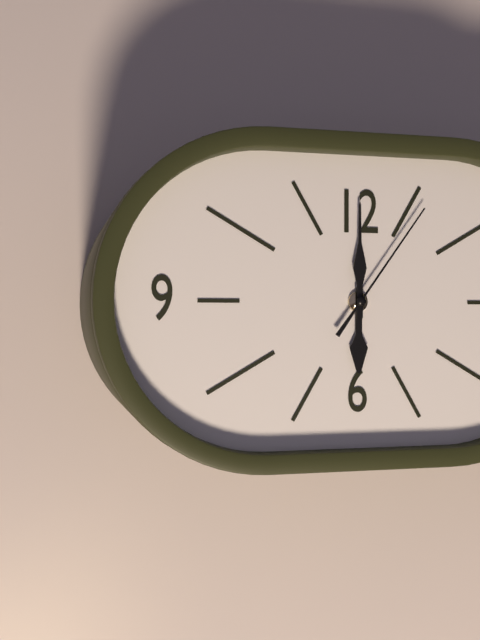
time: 6:00:06
